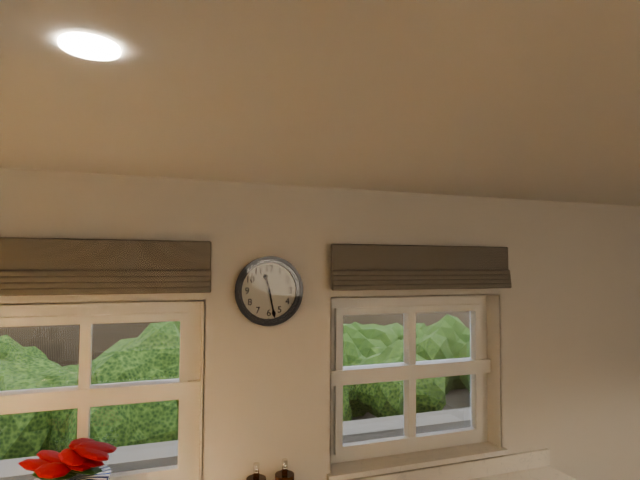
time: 11:28
